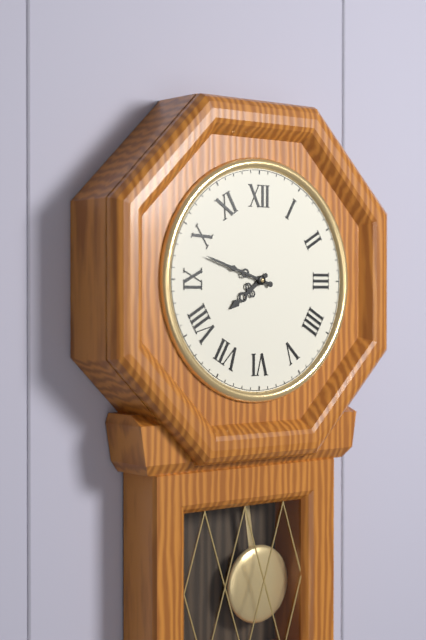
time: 7:48
